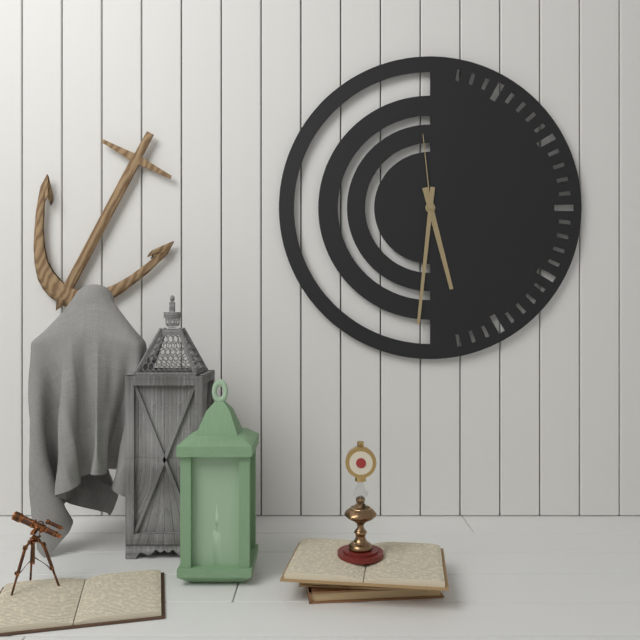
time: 5:31:59
